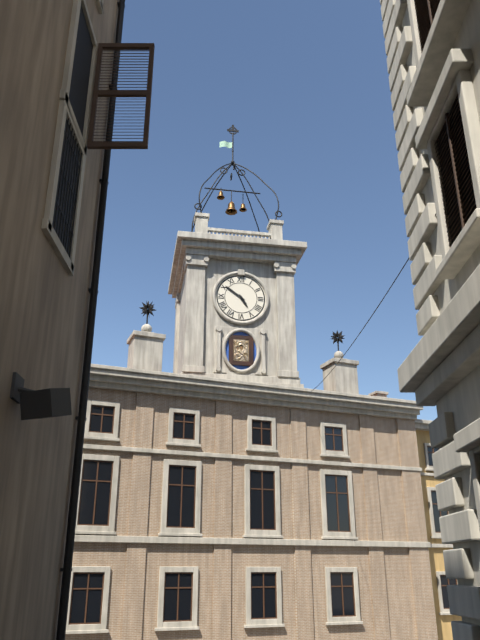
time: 4:51
